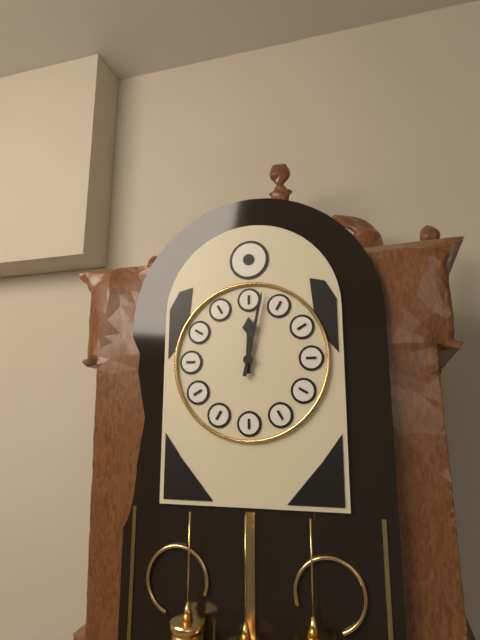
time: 12:02
